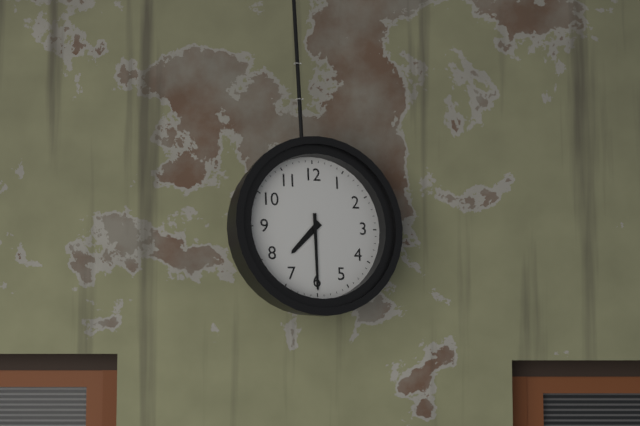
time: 7:30
